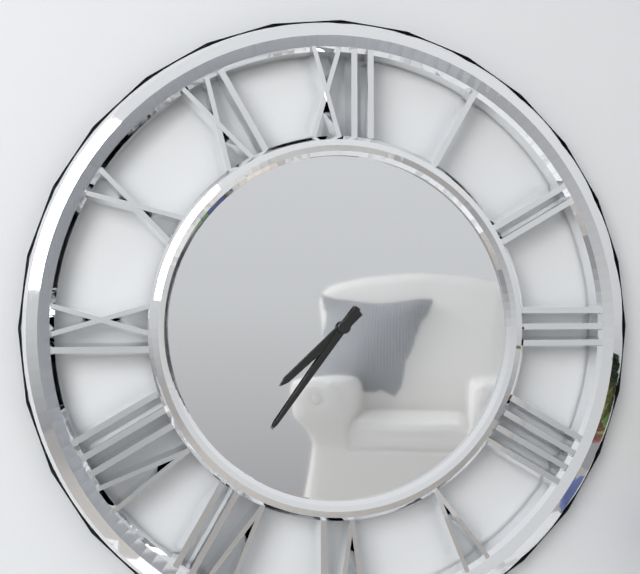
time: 7:36
